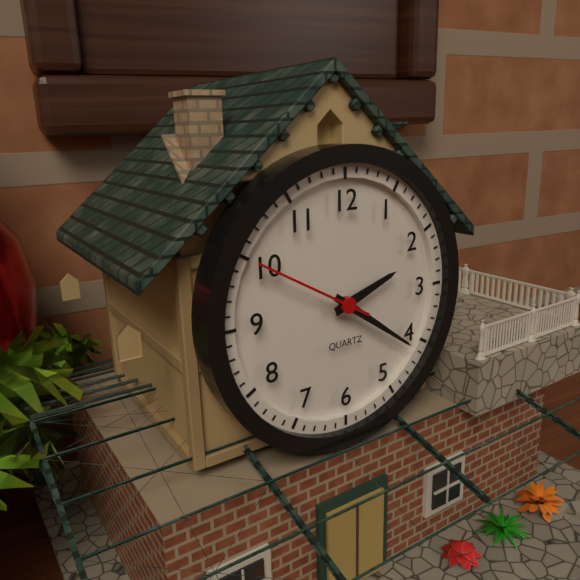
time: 2:21:50
